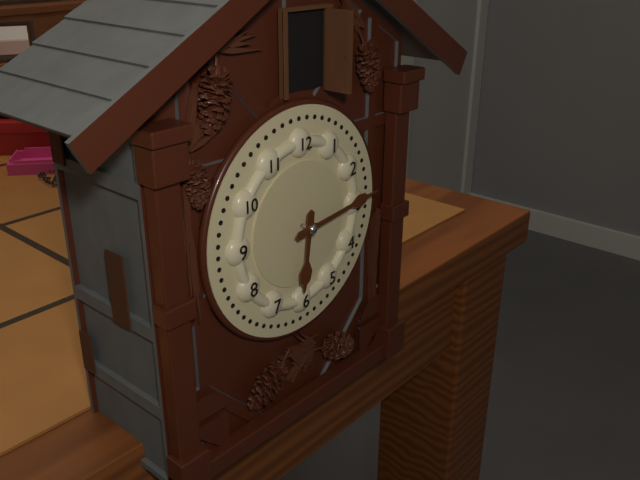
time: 6:14
